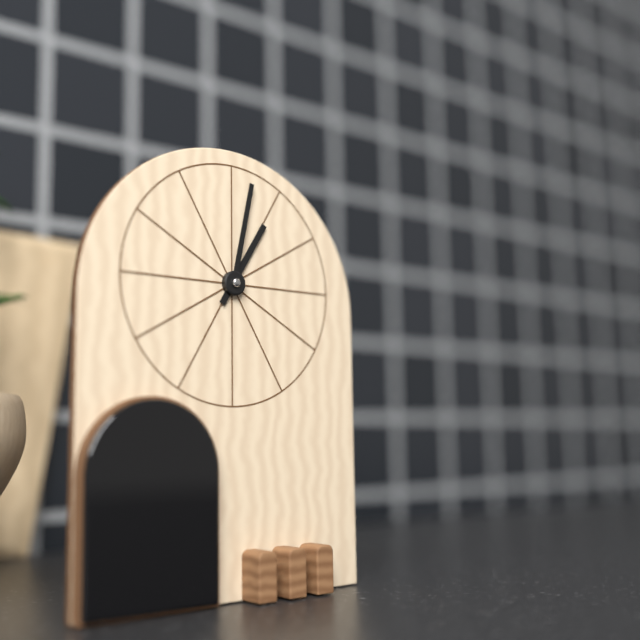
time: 1:02
